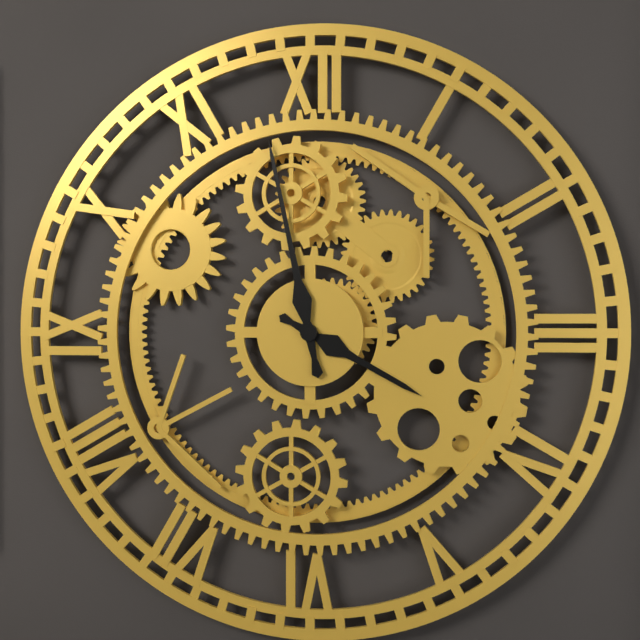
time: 3:58
